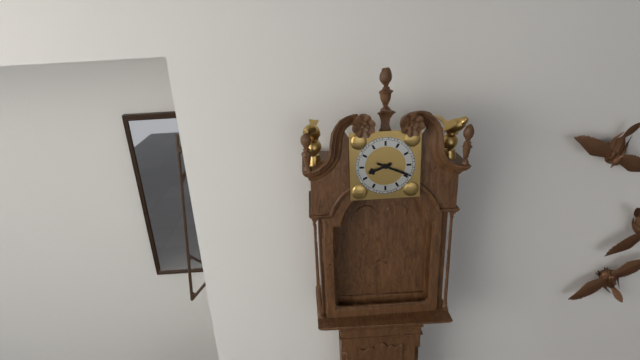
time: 8:19
